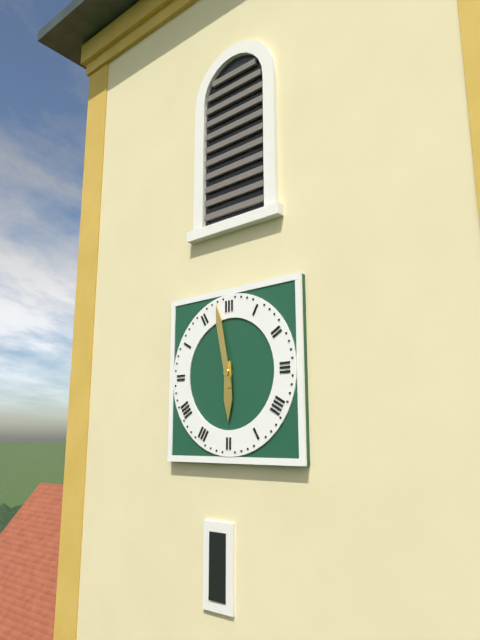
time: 5:58
